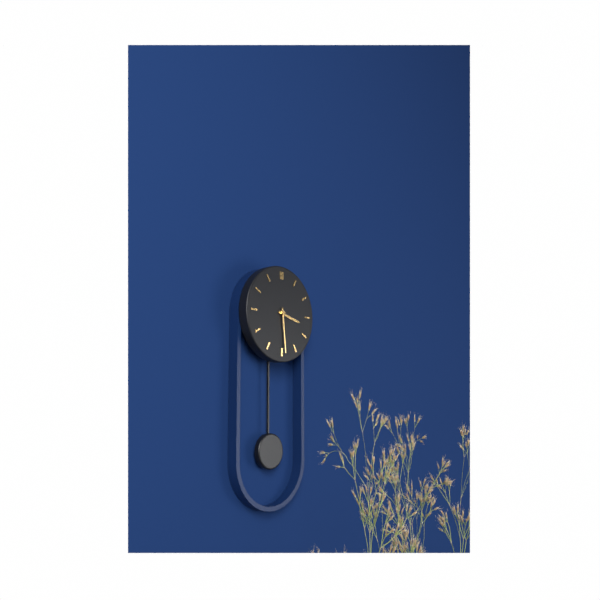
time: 3:29
